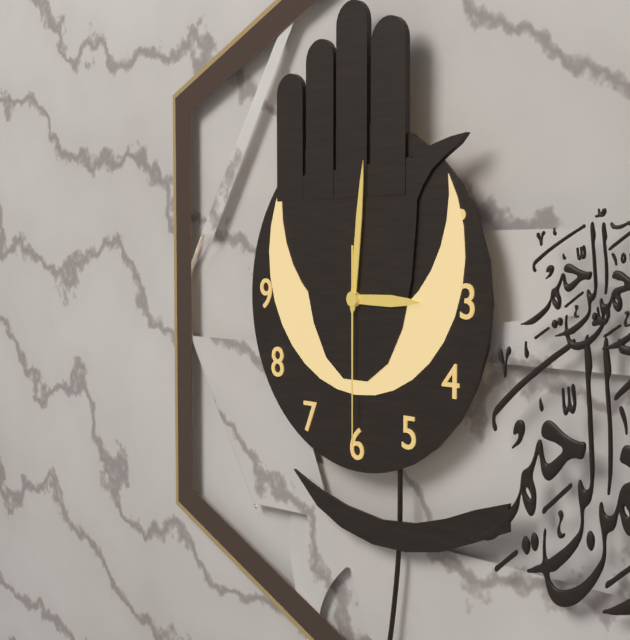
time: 3:01:30
